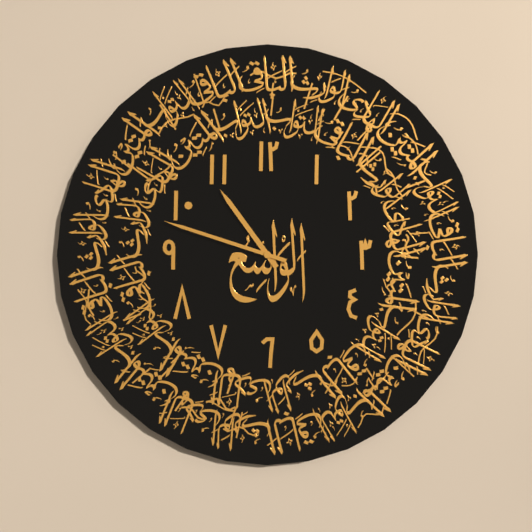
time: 10:48
